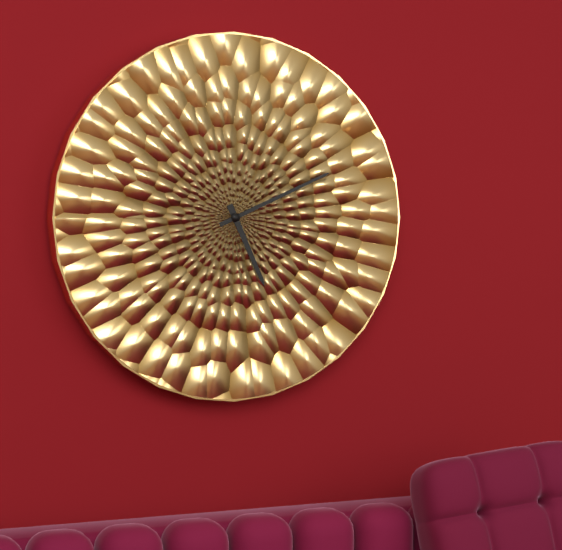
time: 5:11
